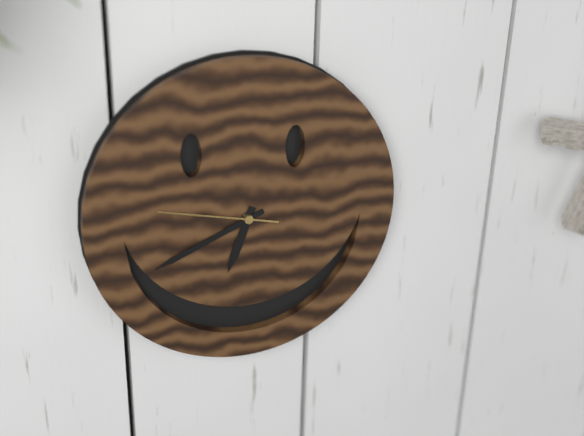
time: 6:41:47
